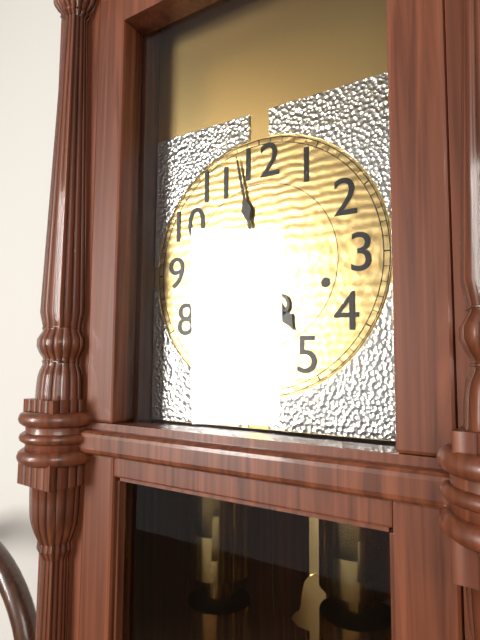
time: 4:58
